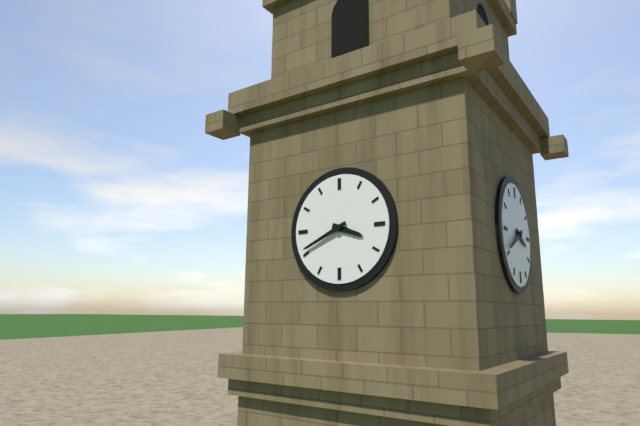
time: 3:41
